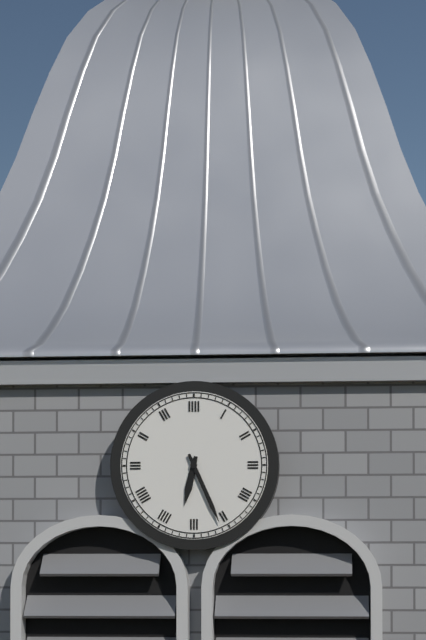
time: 6:26
